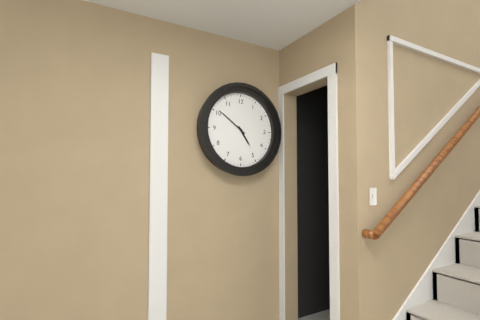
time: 4:51
